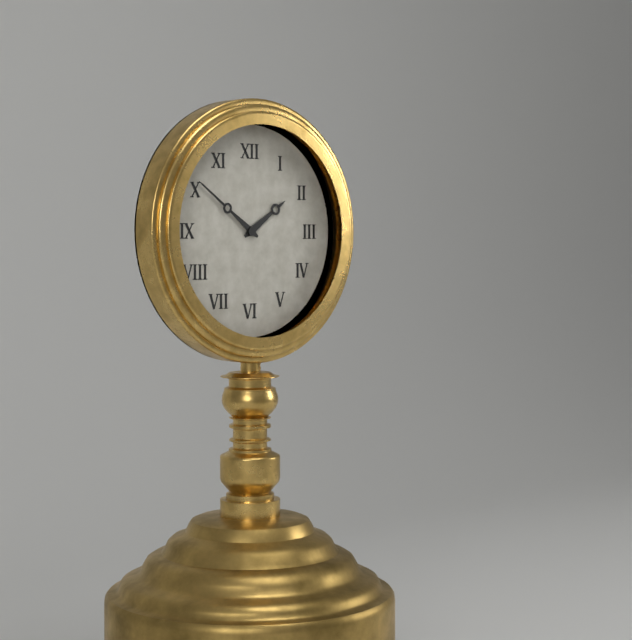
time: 1:51
